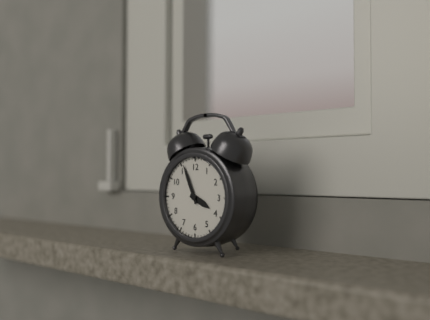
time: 3:56
